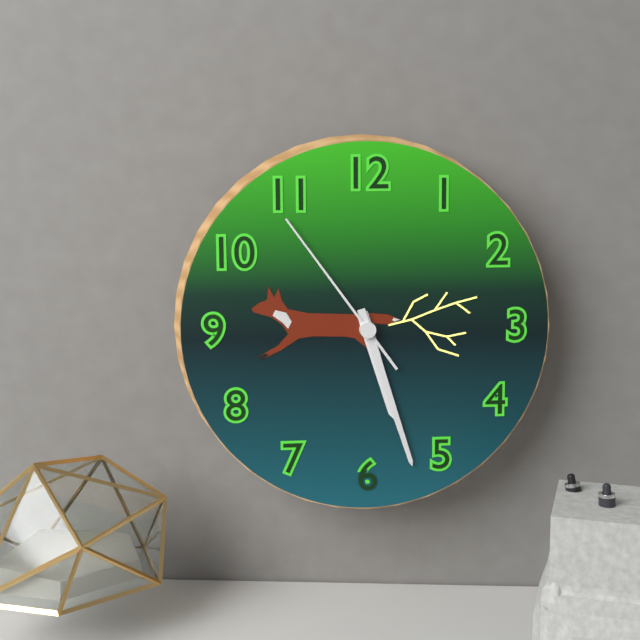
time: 5:27:54
